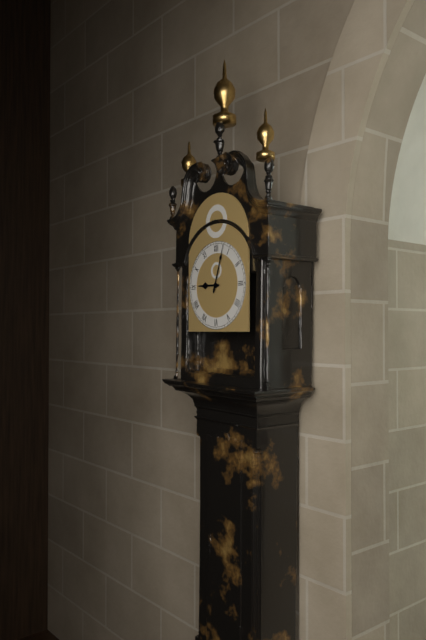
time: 9:03
